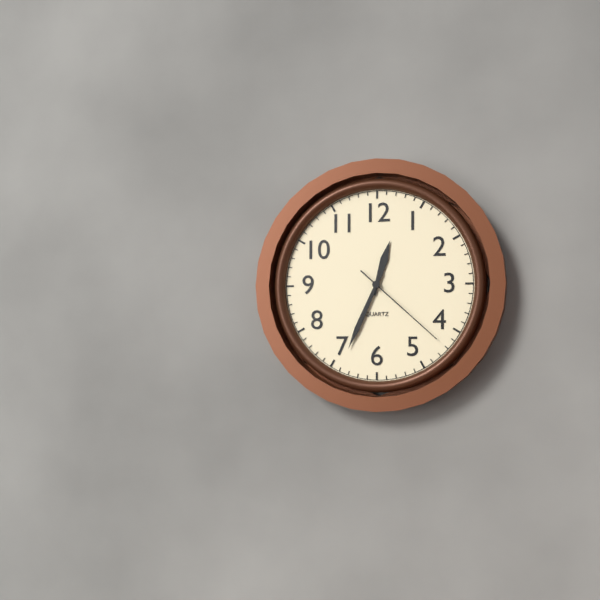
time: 12:34:22
